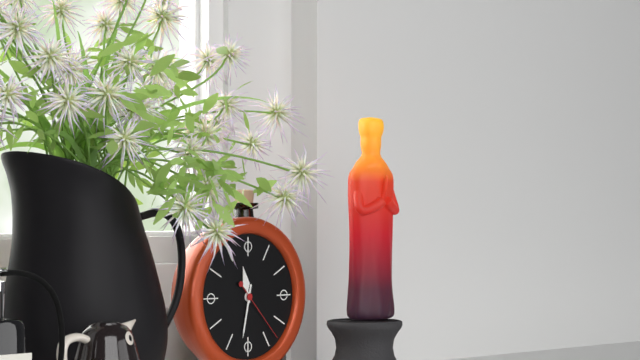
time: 11:32:23
